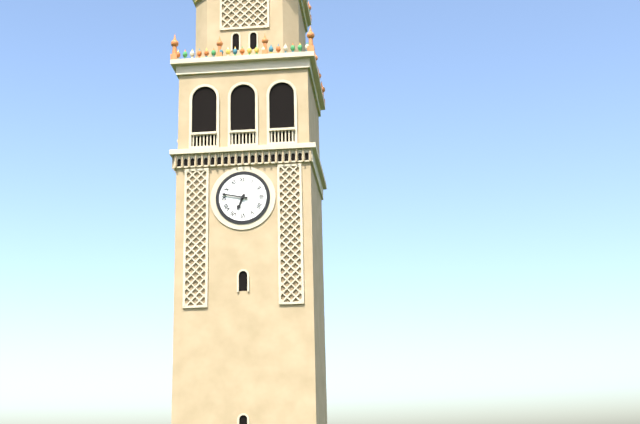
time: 6:47
